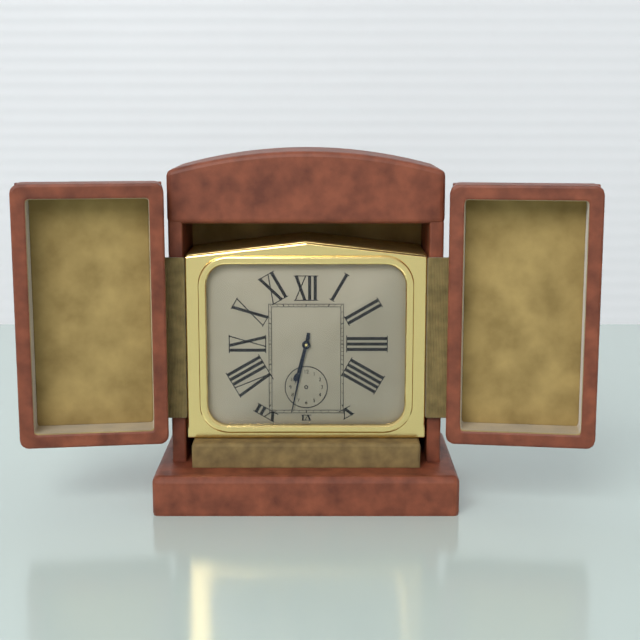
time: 6:32
